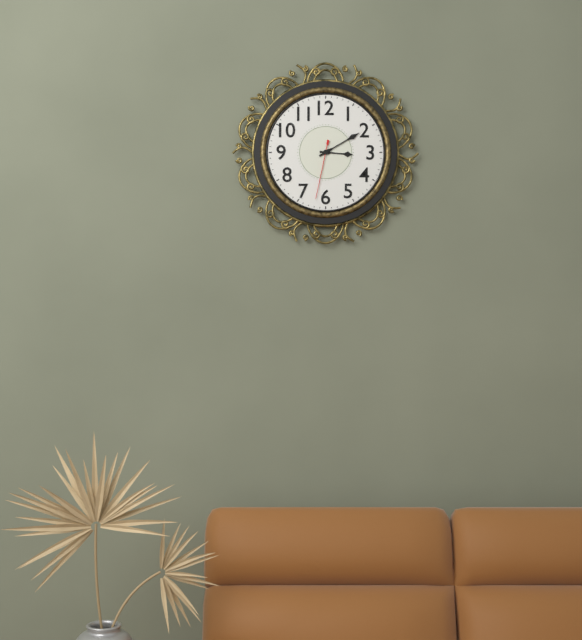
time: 3:10:32
